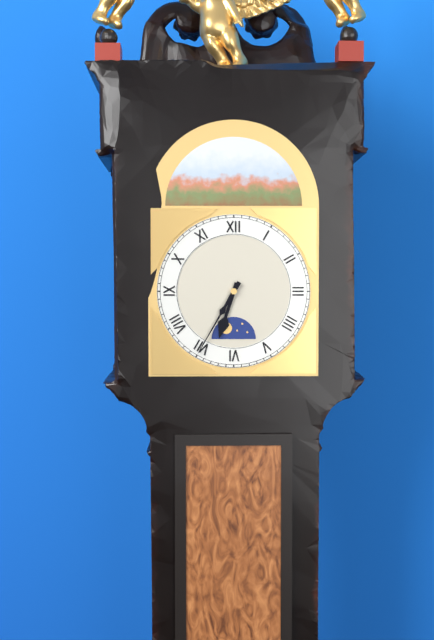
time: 6:35
